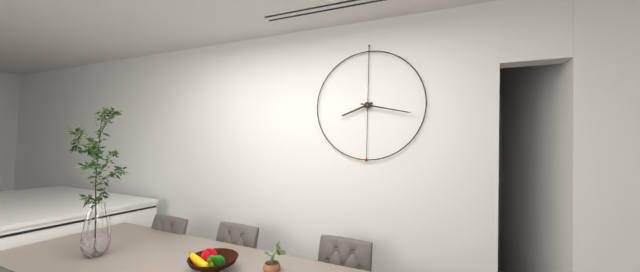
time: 8:17
